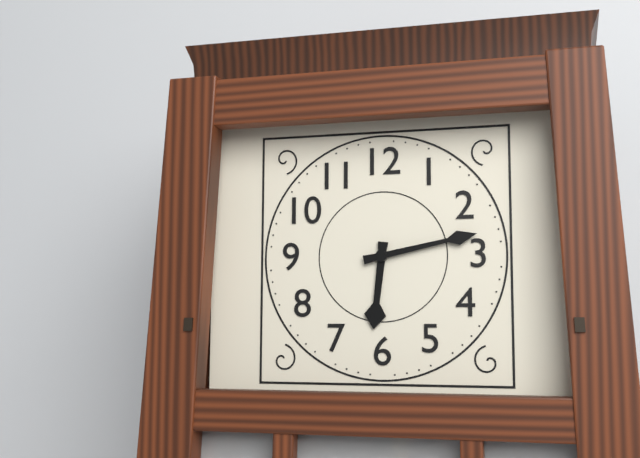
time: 6:13
